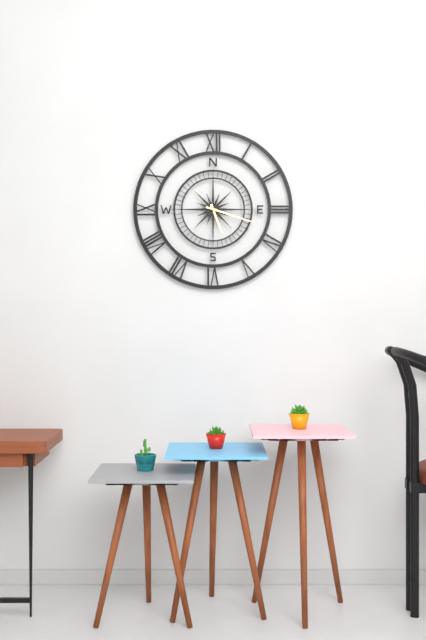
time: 5:18
